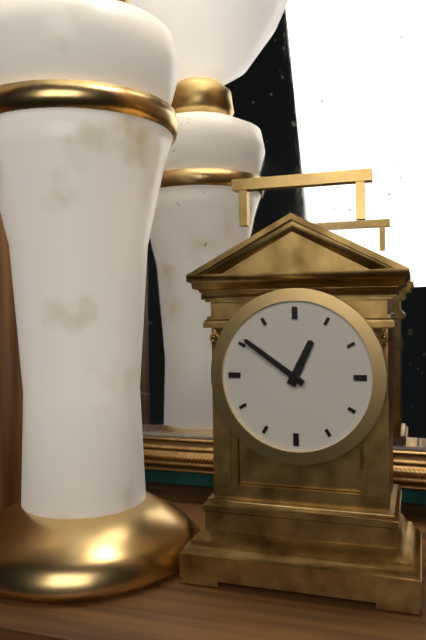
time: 12:51
